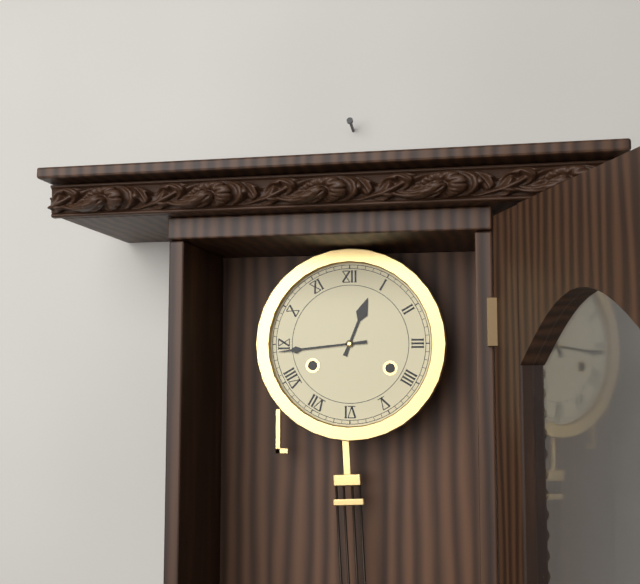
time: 12:44
